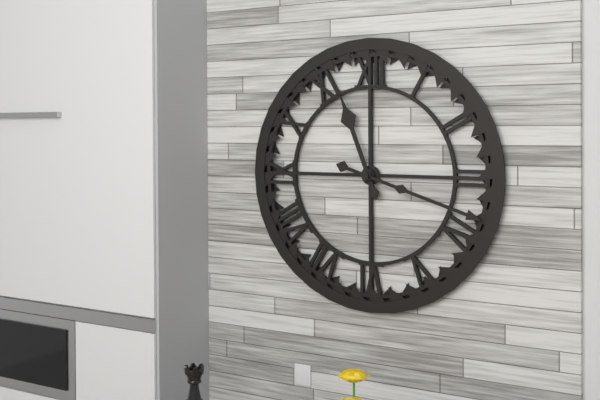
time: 11:18
